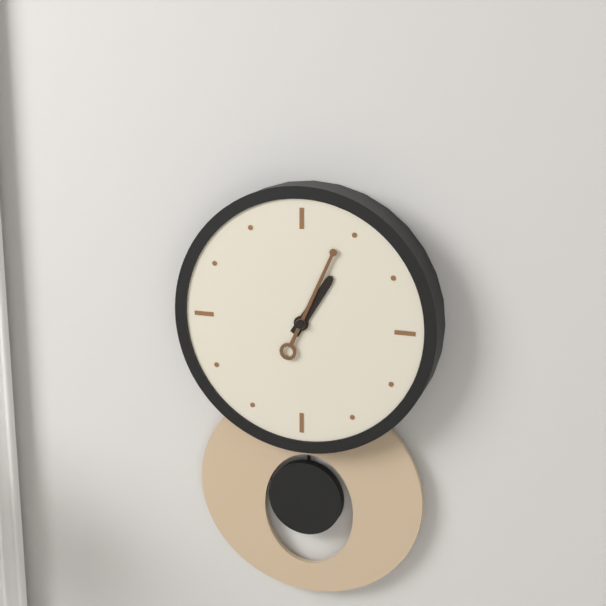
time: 1:04
